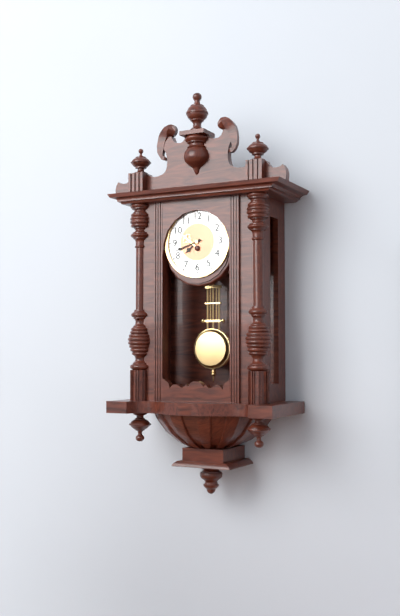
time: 7:42
